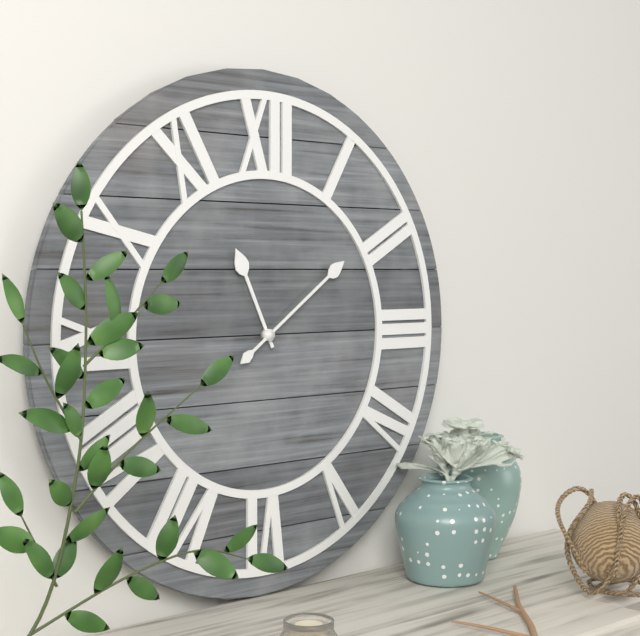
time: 11:09
